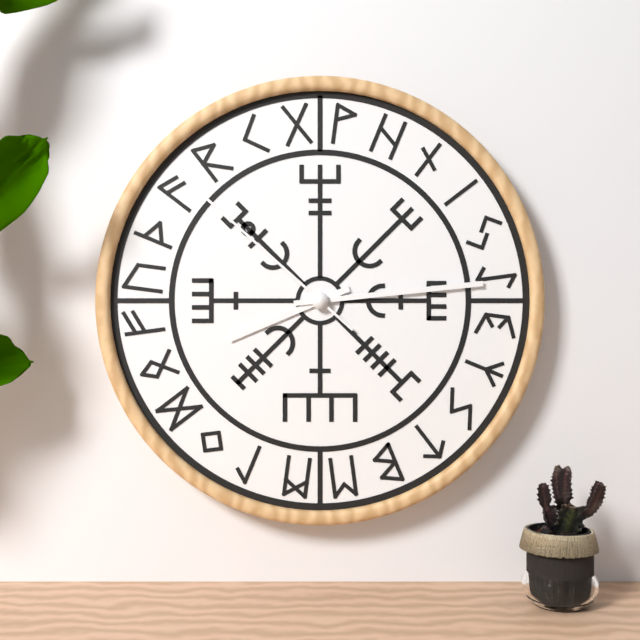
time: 8:14:52
